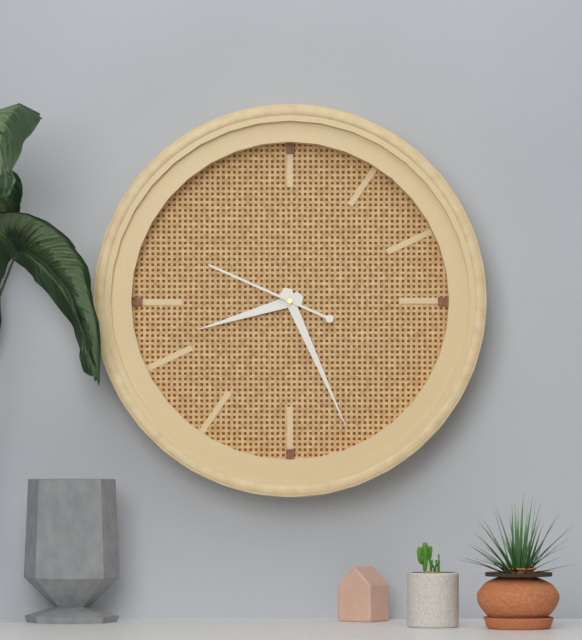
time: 8:26:49
